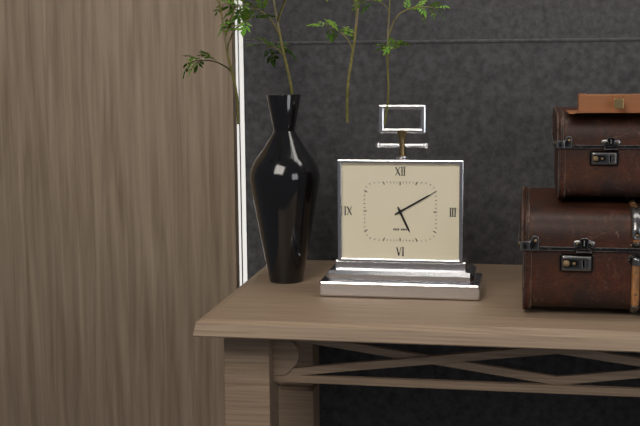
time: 5:10
